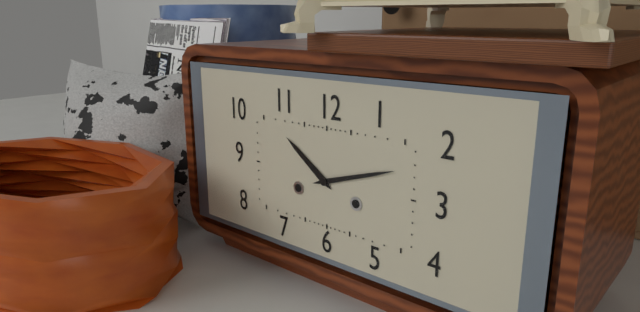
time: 10:12
